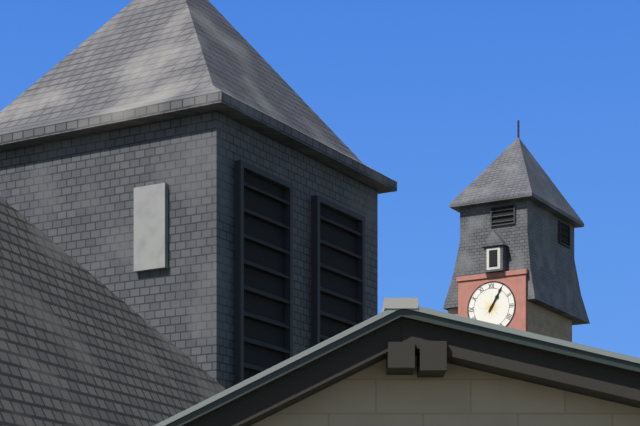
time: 1:05
